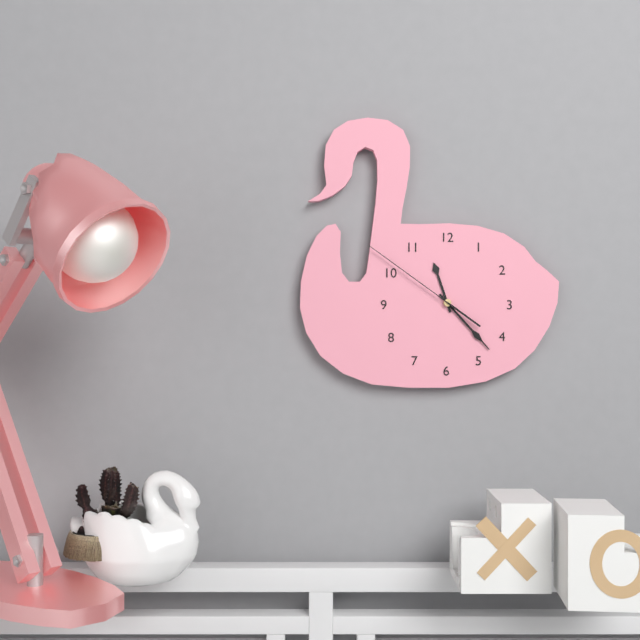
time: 11:23:51
